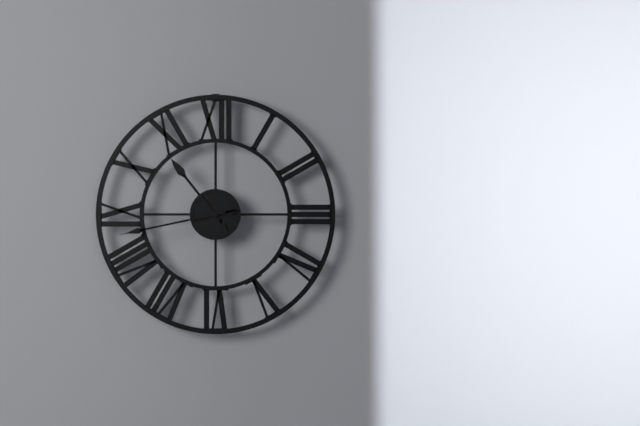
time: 10:43
